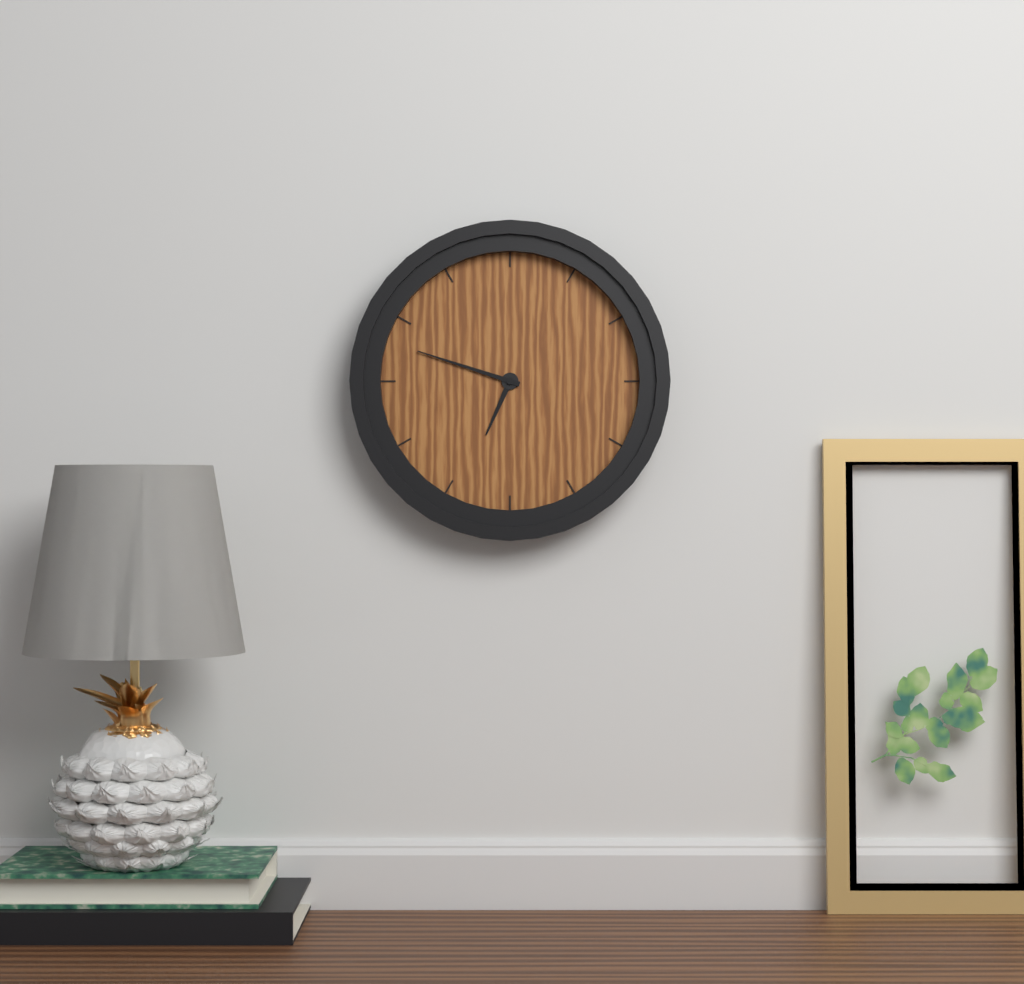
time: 6:48
